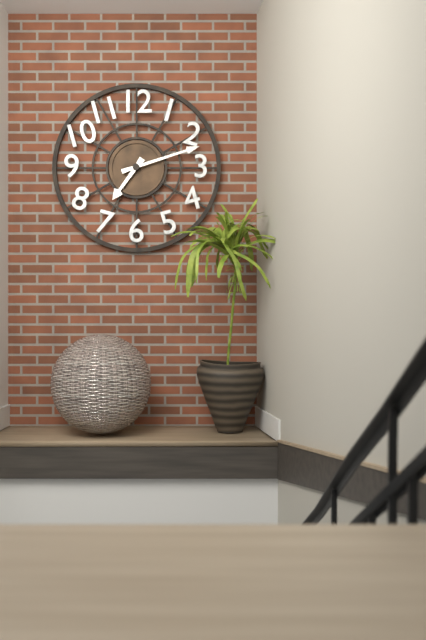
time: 7:12
